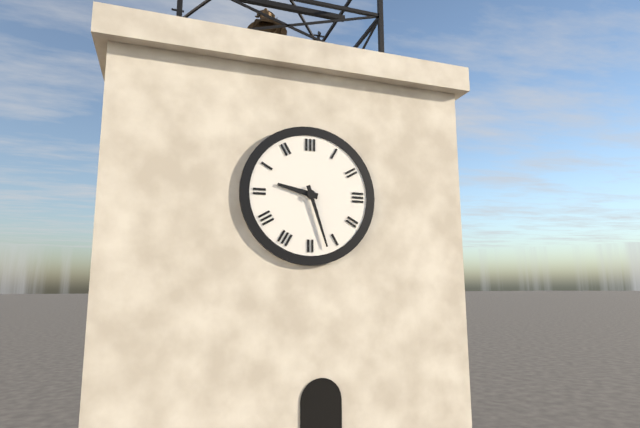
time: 9:27
